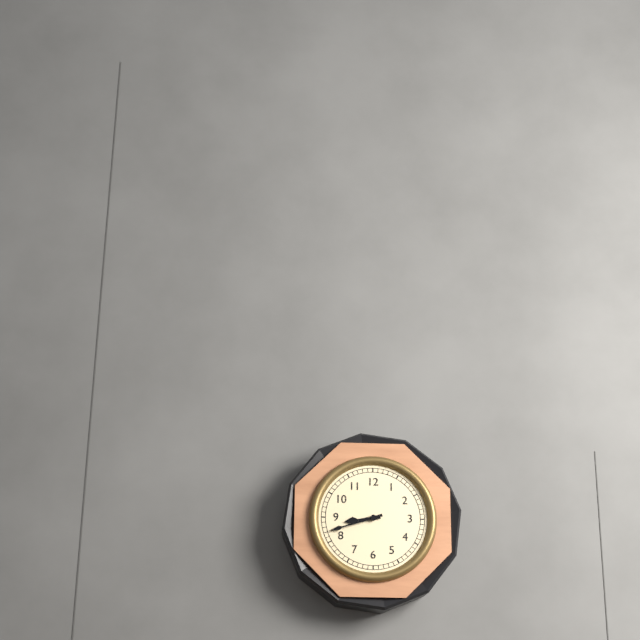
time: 8:42
